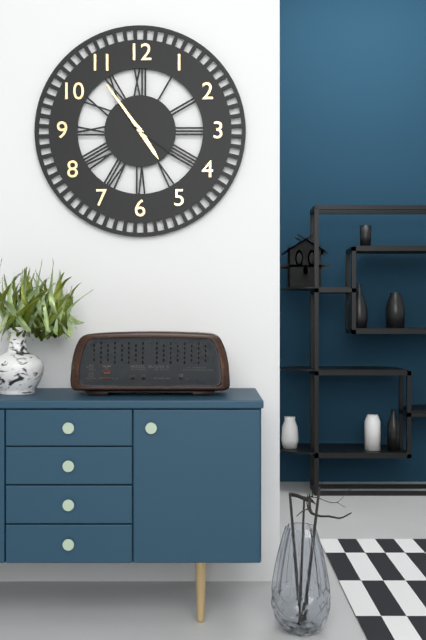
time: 4:54:21
